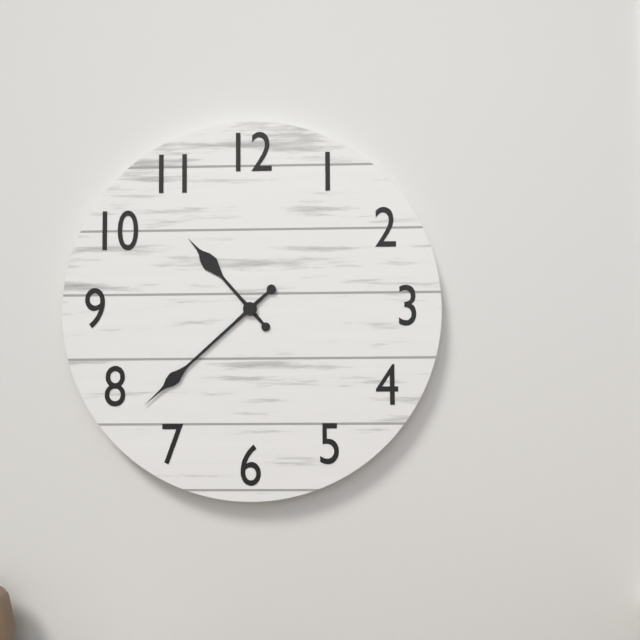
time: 10:38
